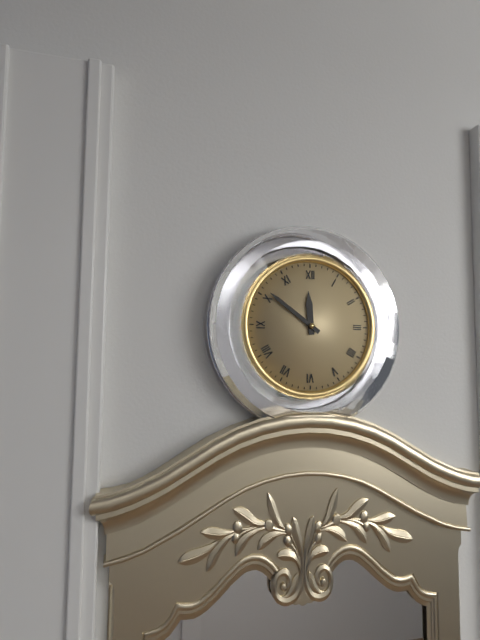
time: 11:51
